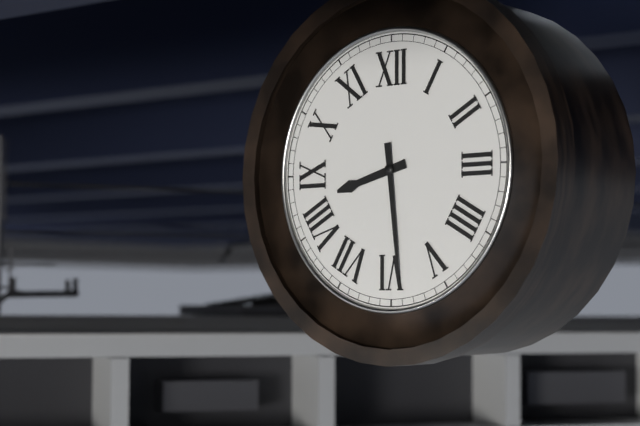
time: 8:29
